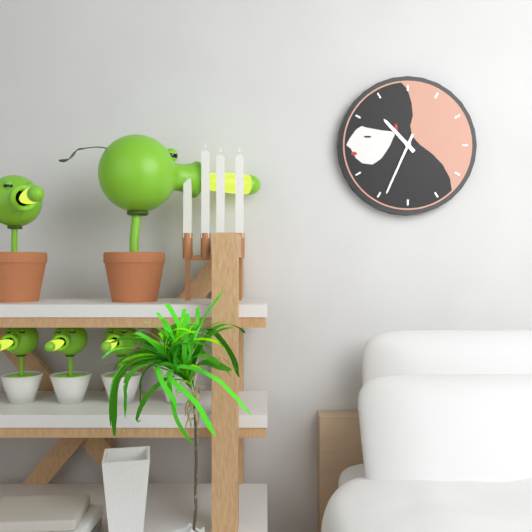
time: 10:34
